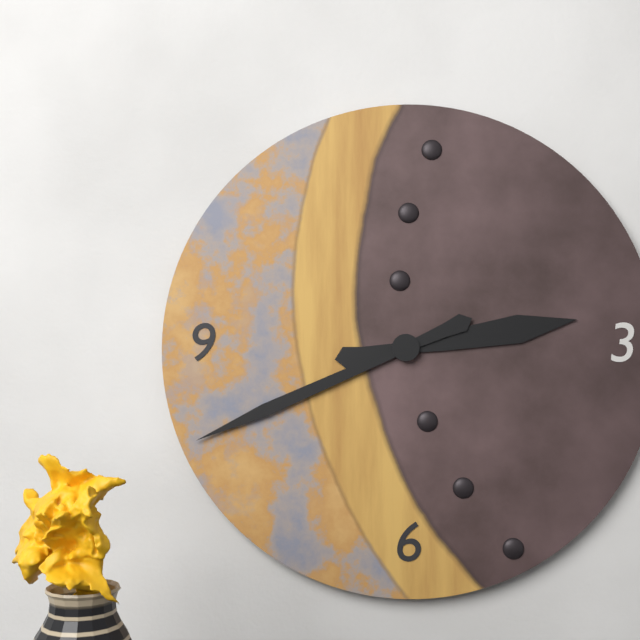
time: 2:41
